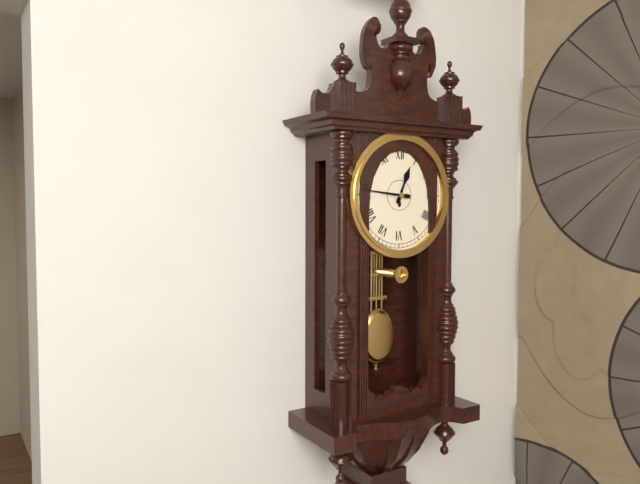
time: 12:46
